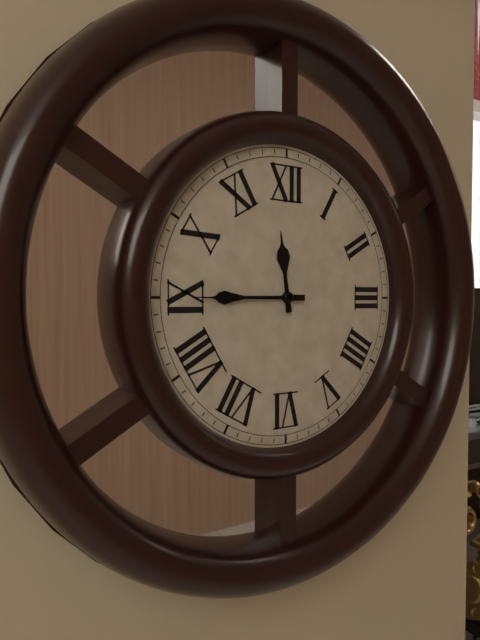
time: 11:45
